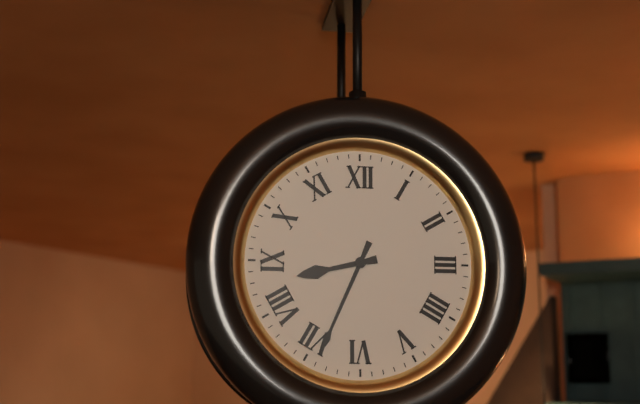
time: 8:34
